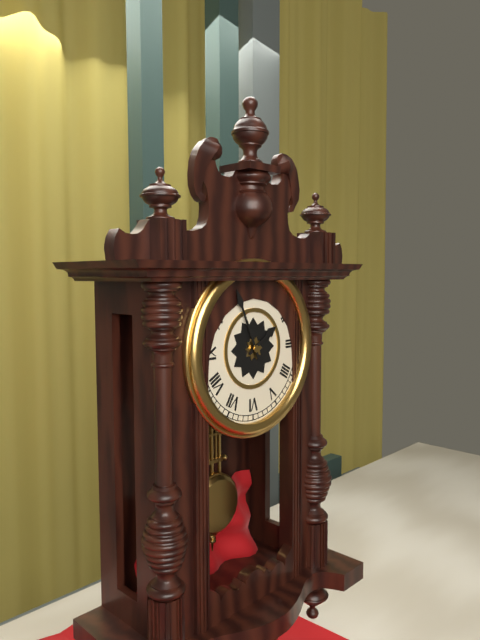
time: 1:56
